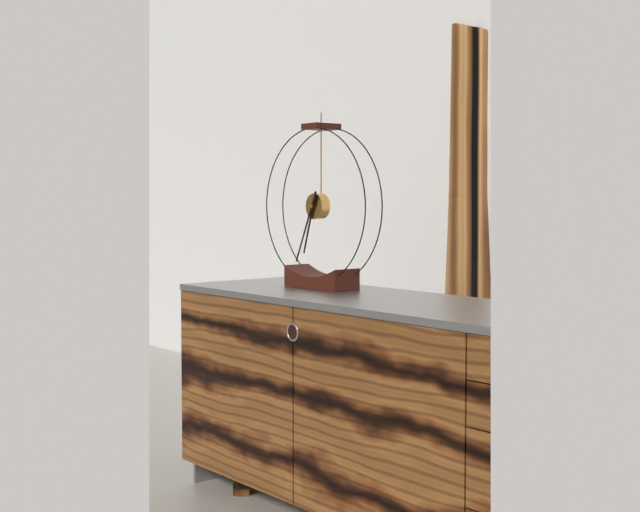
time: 6:34
